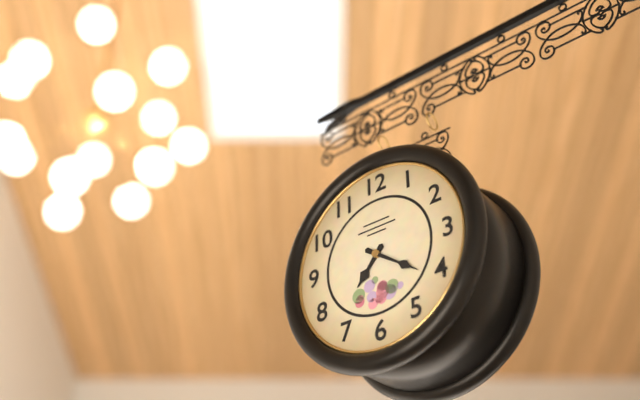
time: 7:21
